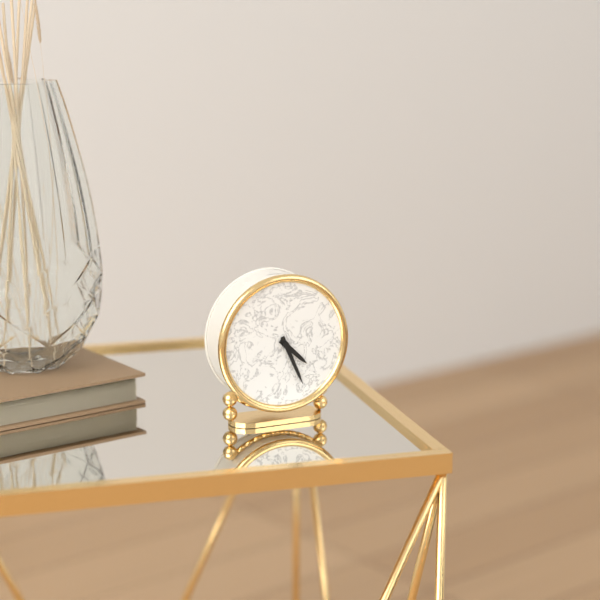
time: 4:26
